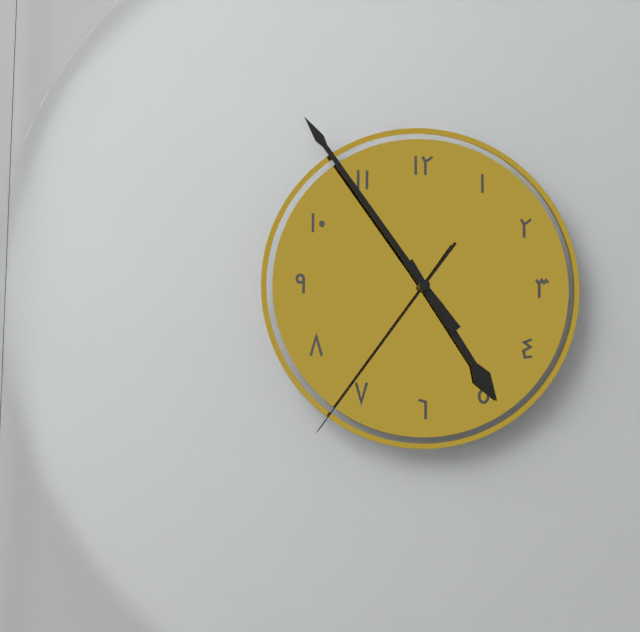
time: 4:54:36
